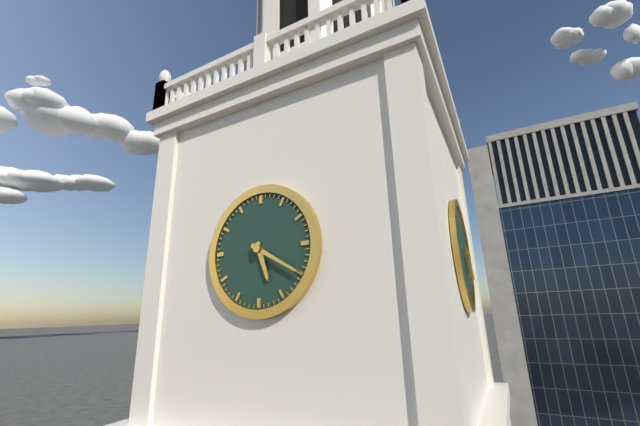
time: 5:20
